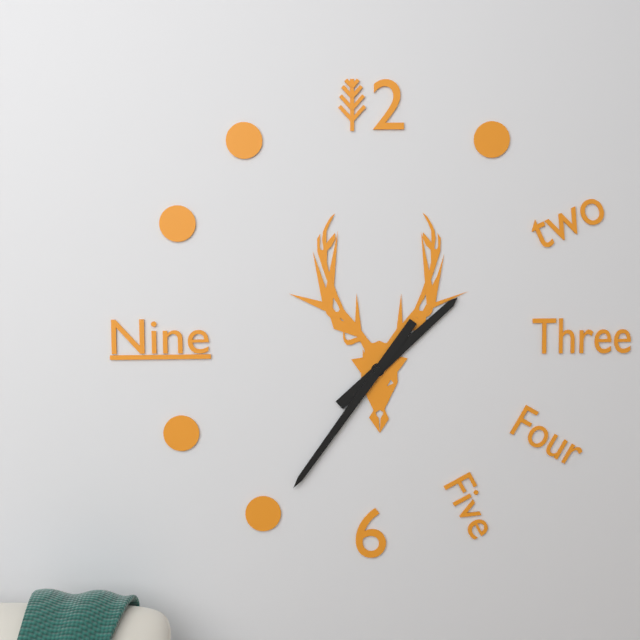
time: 1:36
